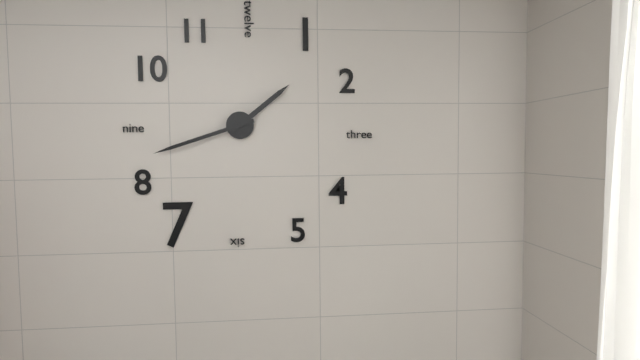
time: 1:42
